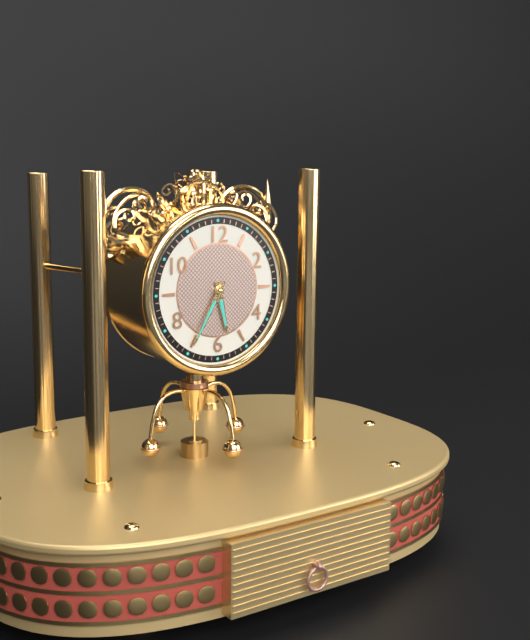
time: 5:35
